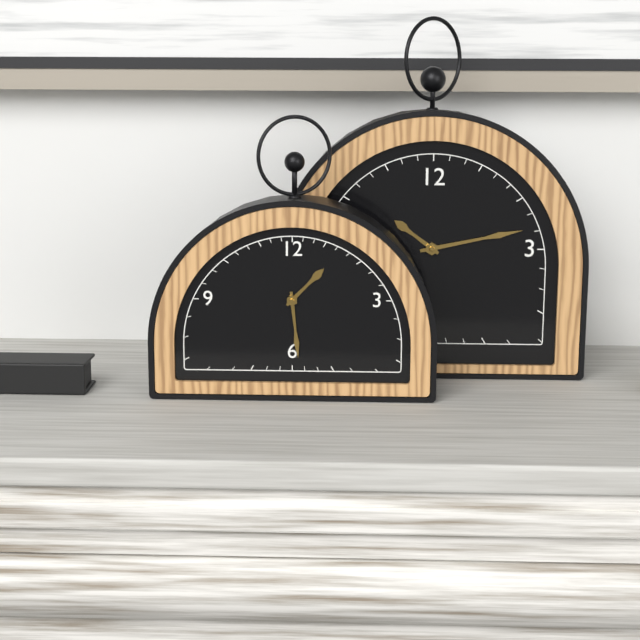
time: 1:29
